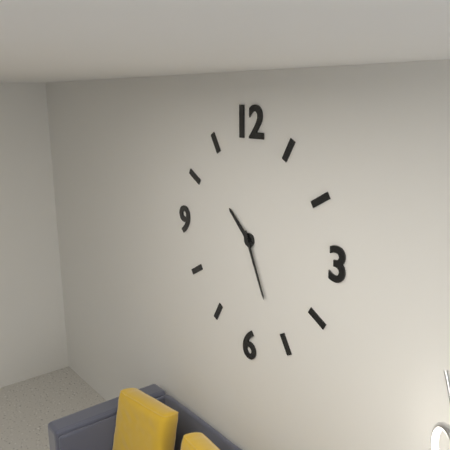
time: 10:26
